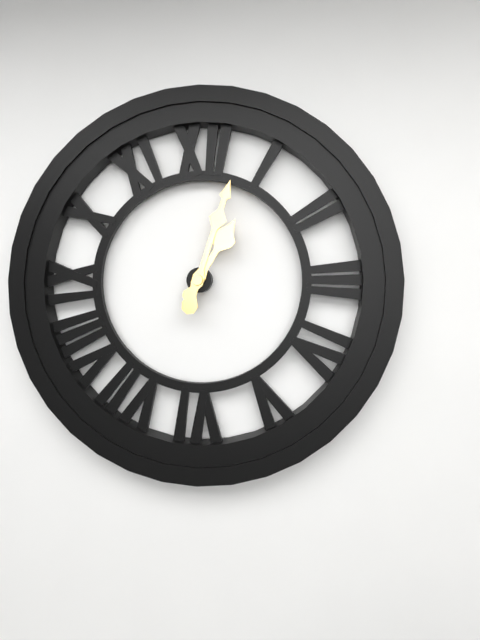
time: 1:03
